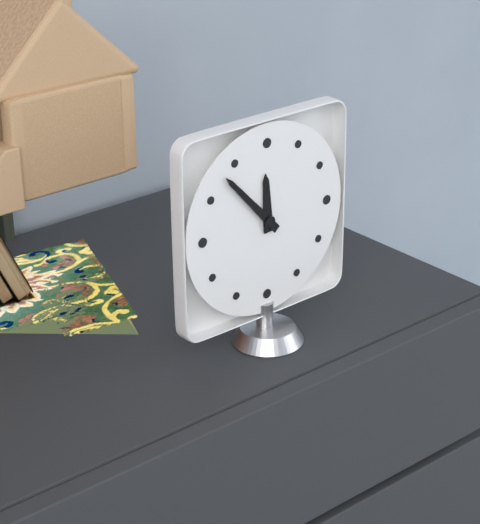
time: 11:53
